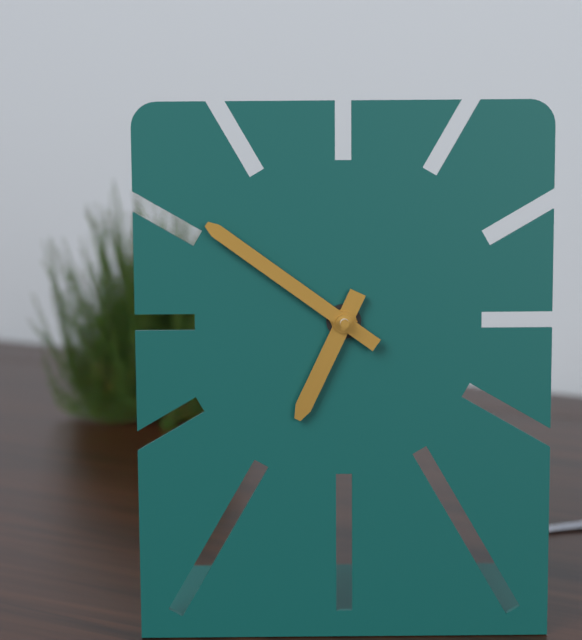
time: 6:51
